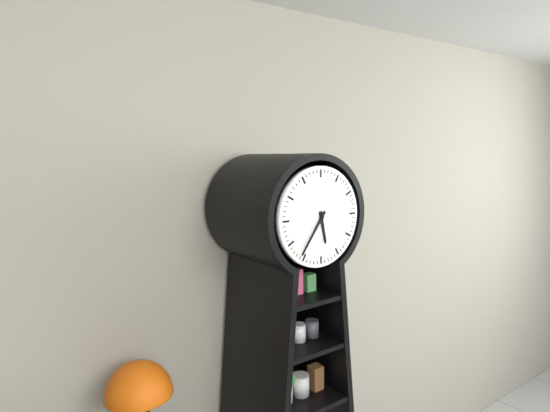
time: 5:36
